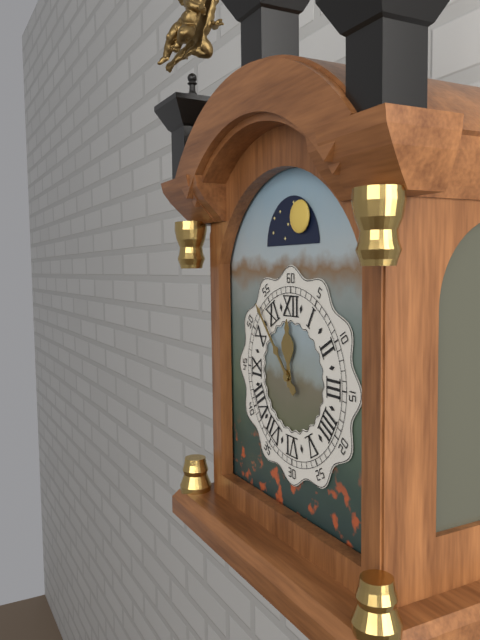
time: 11:53
